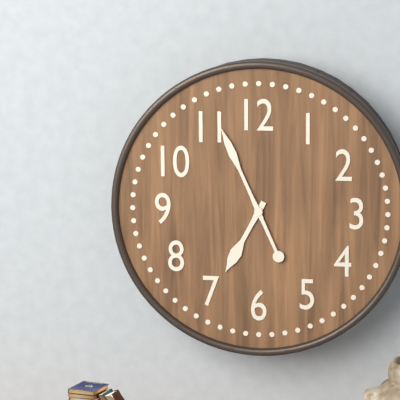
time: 6:56
